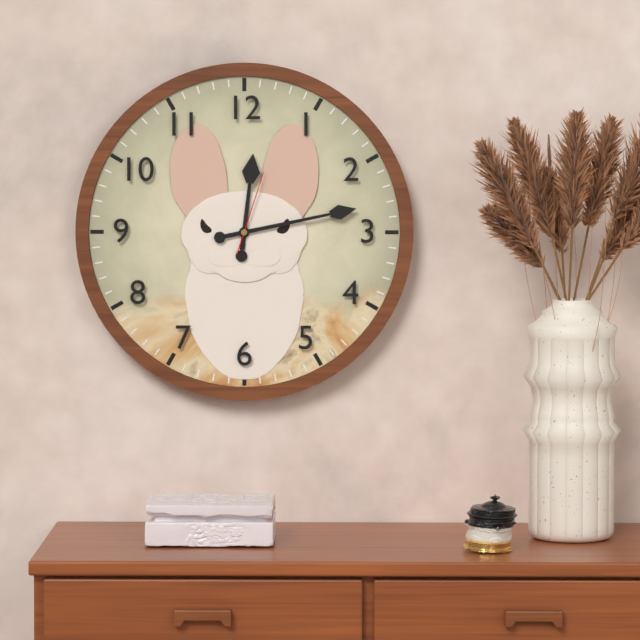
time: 12:13:03
